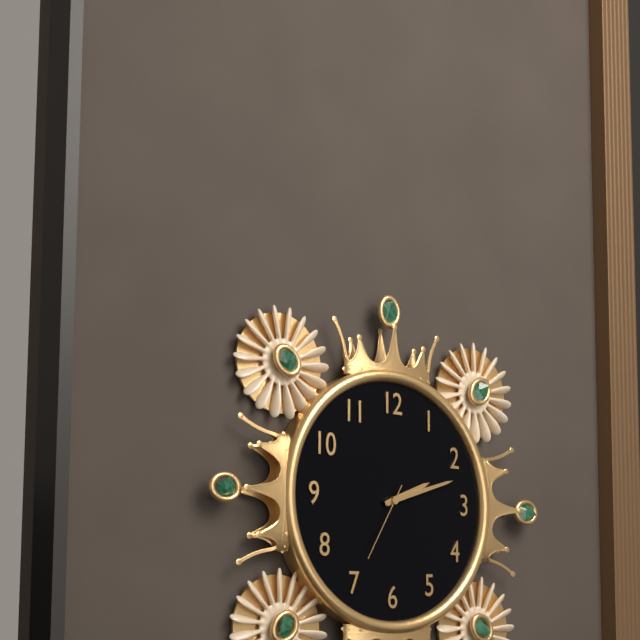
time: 2:12:35
